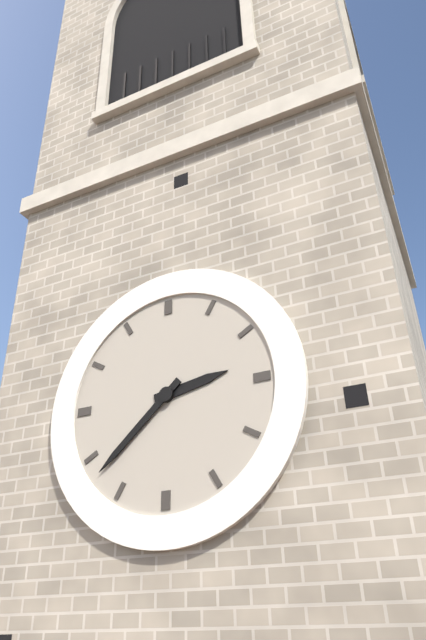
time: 2:38
